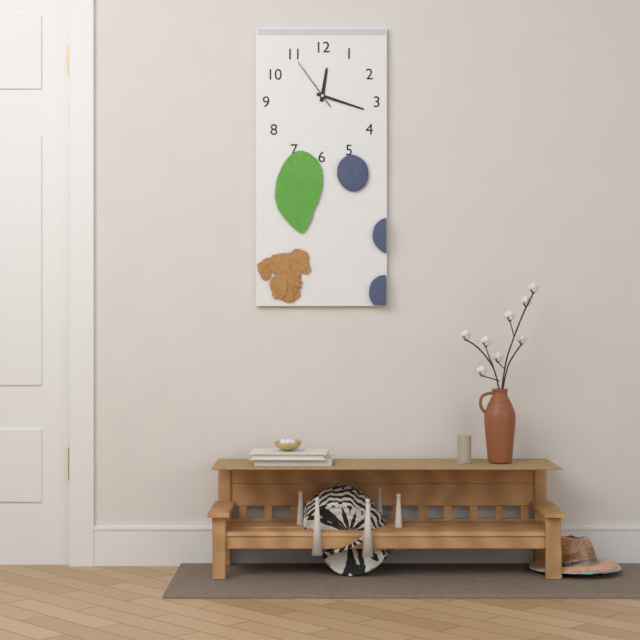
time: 12:18:54
